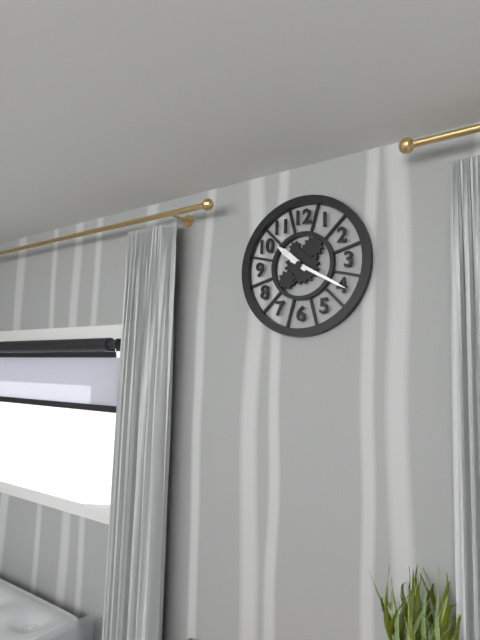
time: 10:20
